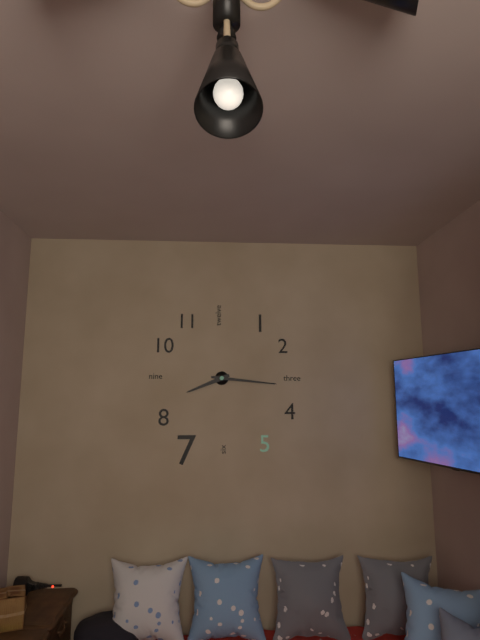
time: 8:16
